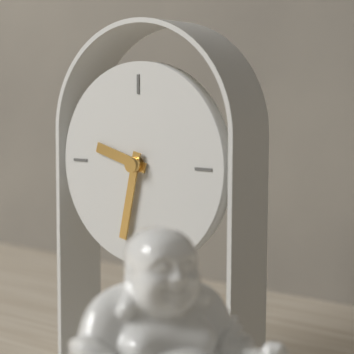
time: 9:32
